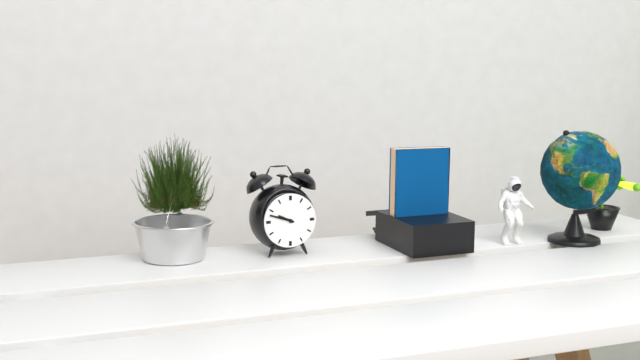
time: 9:48
